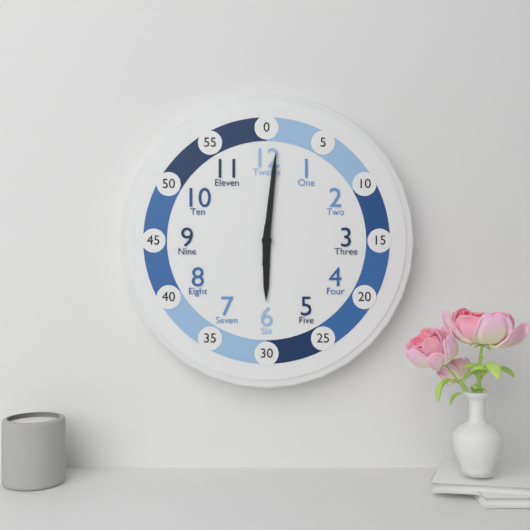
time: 6:01
